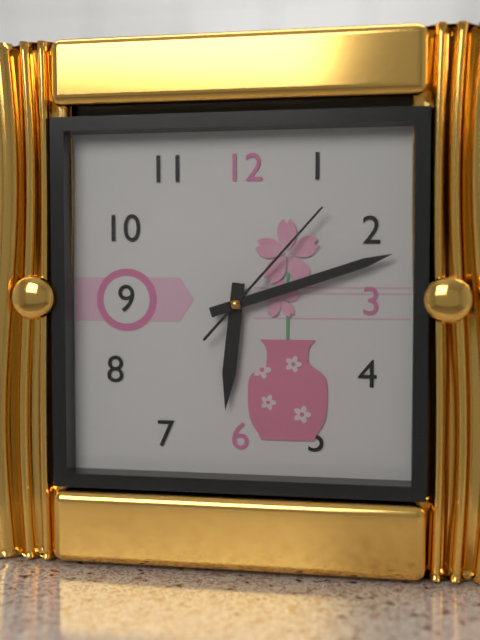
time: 6:12:07
